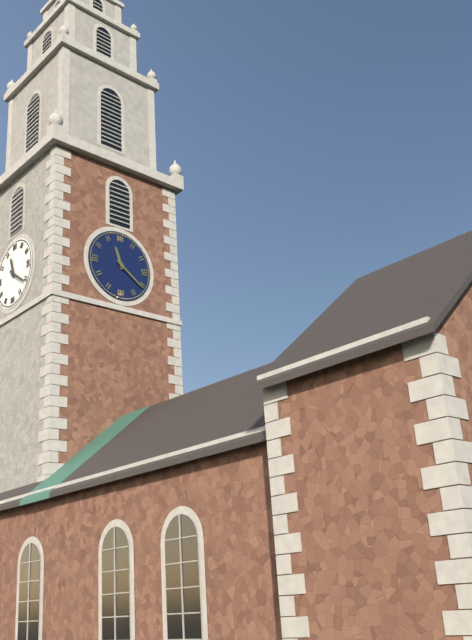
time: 11:21
